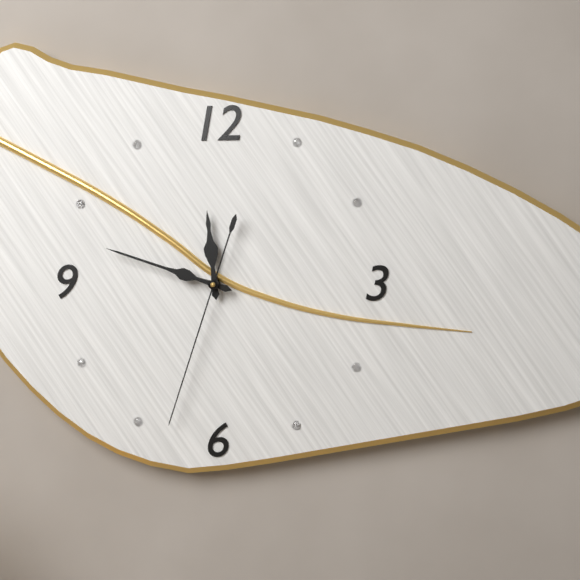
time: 11:48:33
